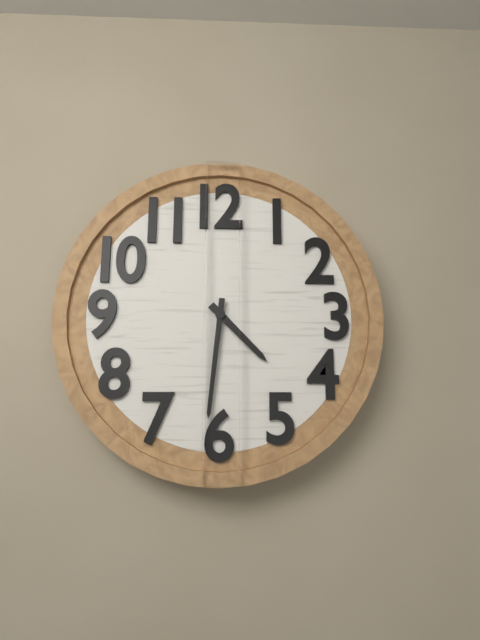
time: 4:31
